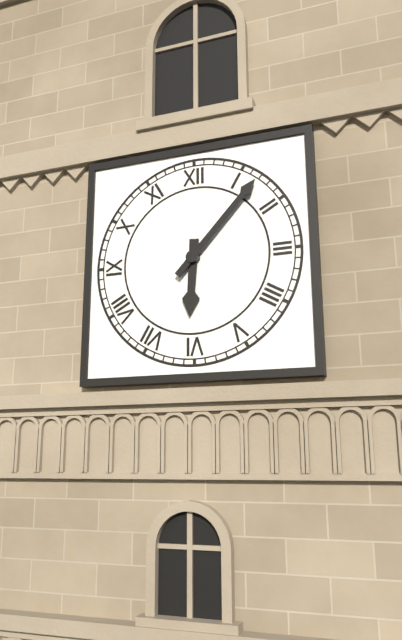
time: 6:07
